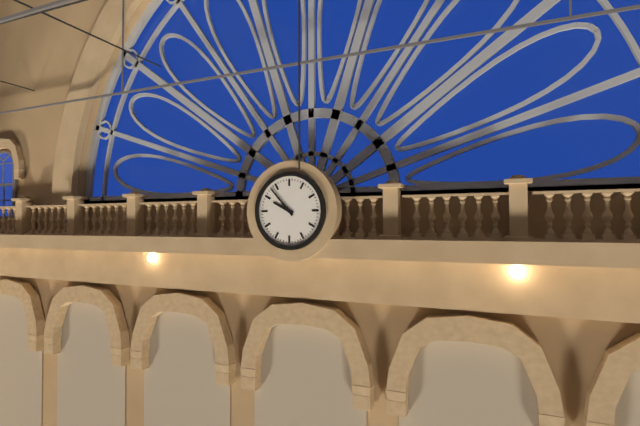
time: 9:53
